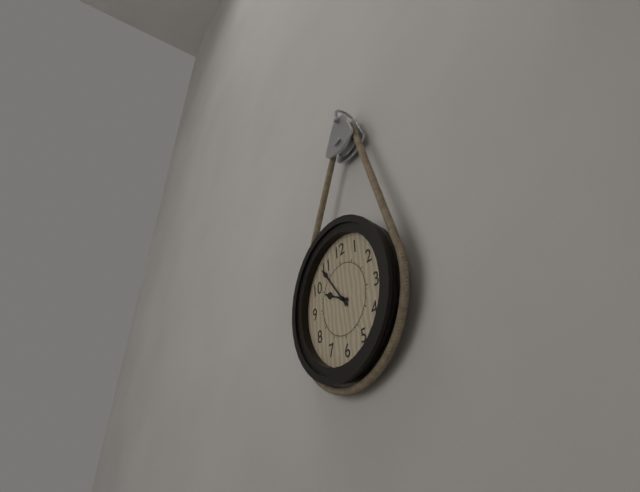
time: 9:54
